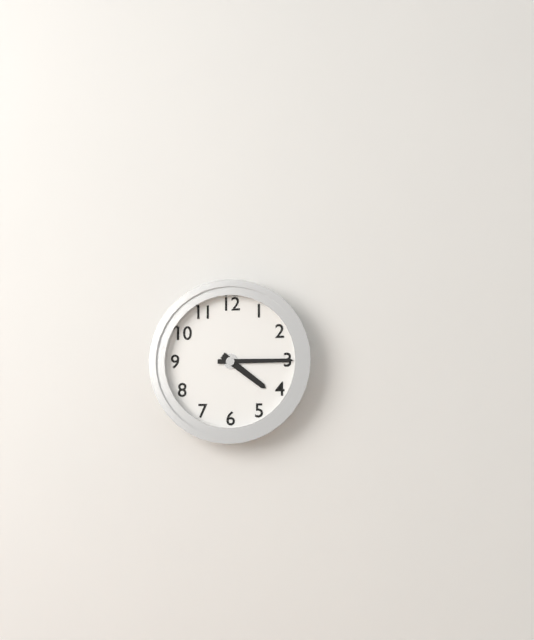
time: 4:15
